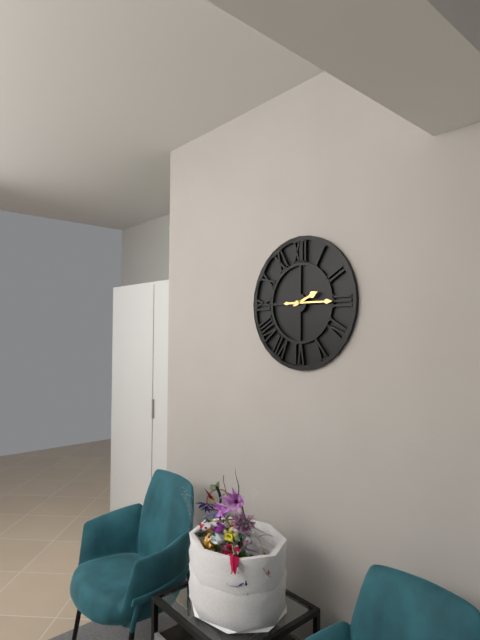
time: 2:15
